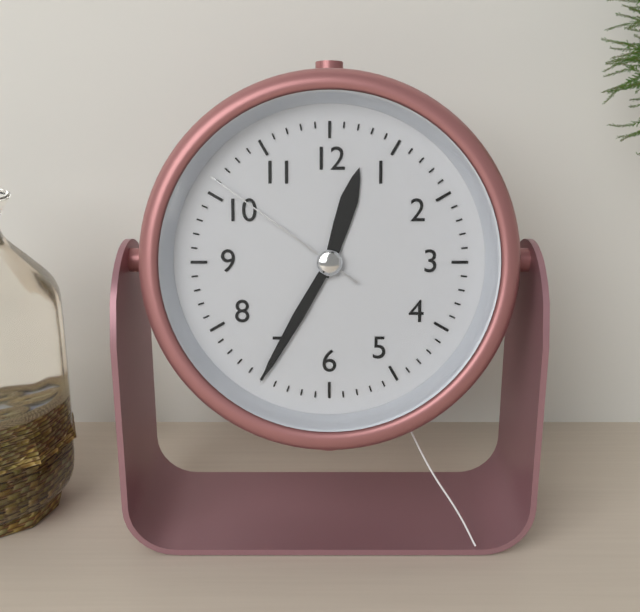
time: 12:35:51
